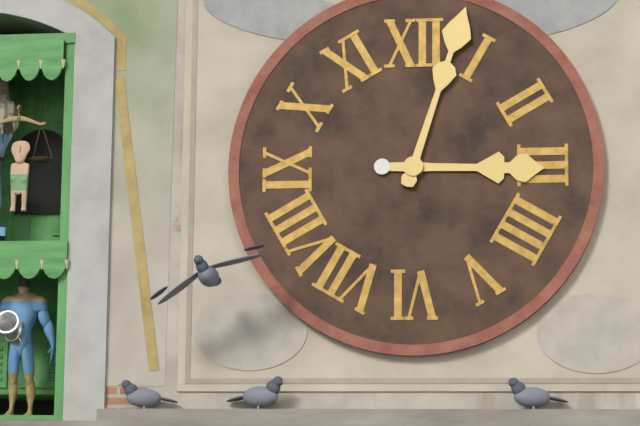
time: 3:03
